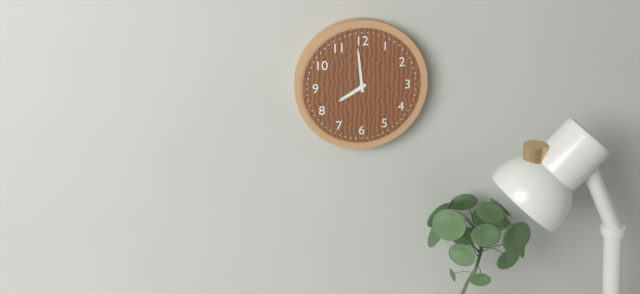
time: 7:59
